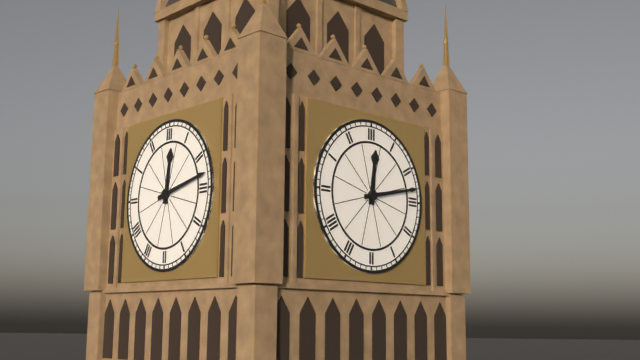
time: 12:13
